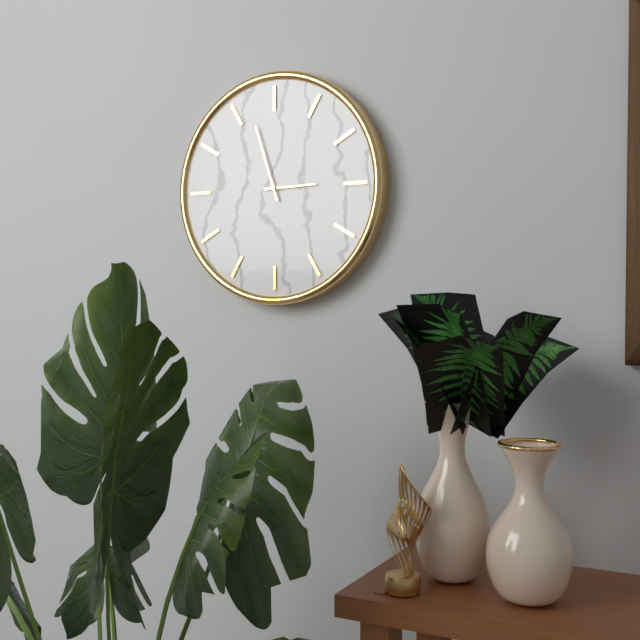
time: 2:57
